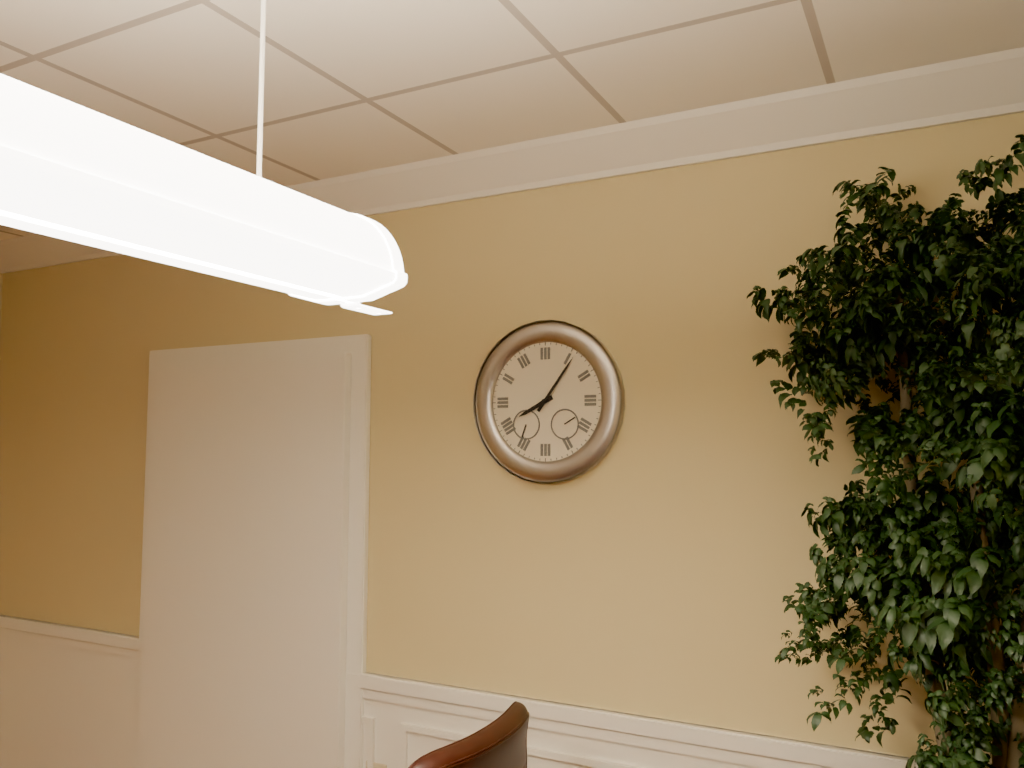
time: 8:06
